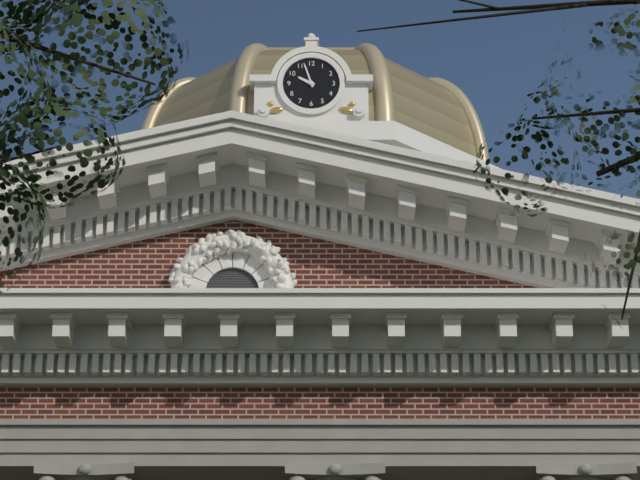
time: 9:57
